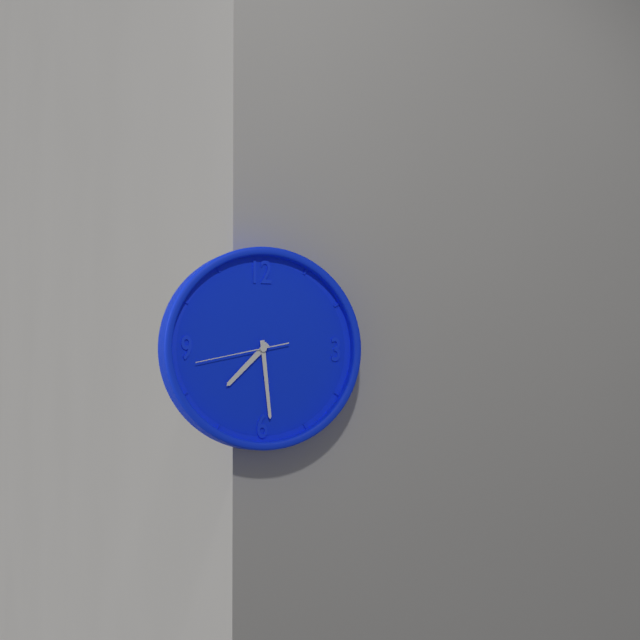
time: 7:29:43
